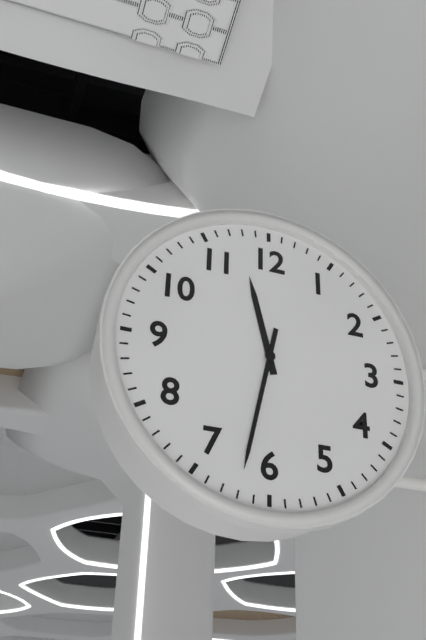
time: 11:32
